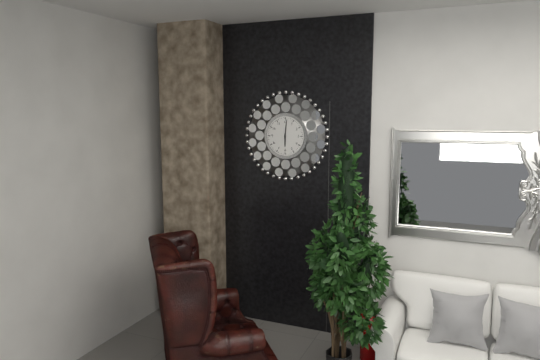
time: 6:01
